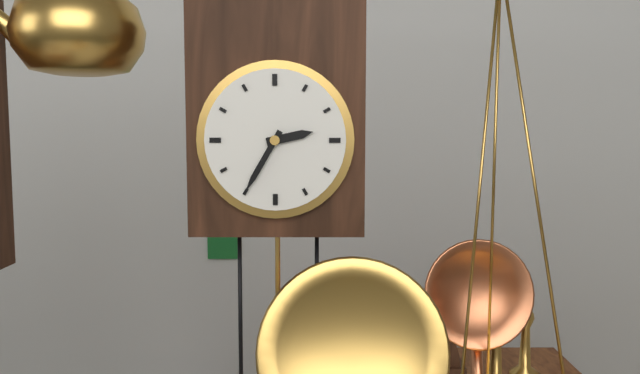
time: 2:35
